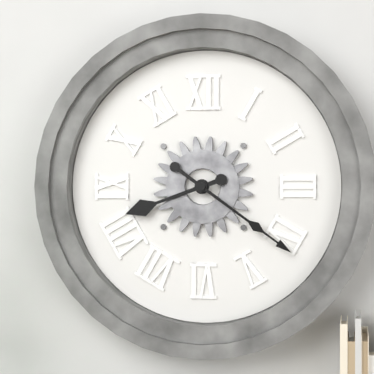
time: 8:21
